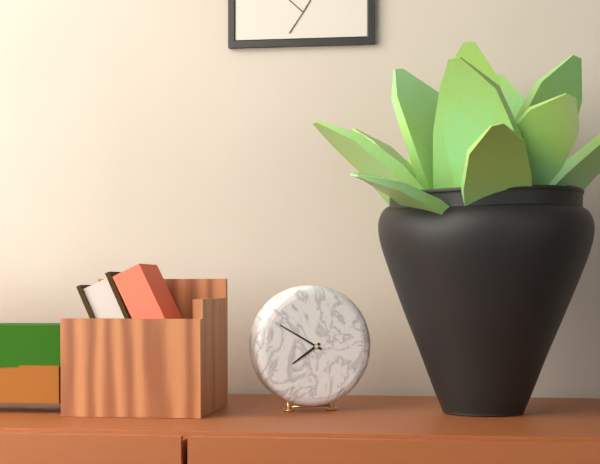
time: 7:50
